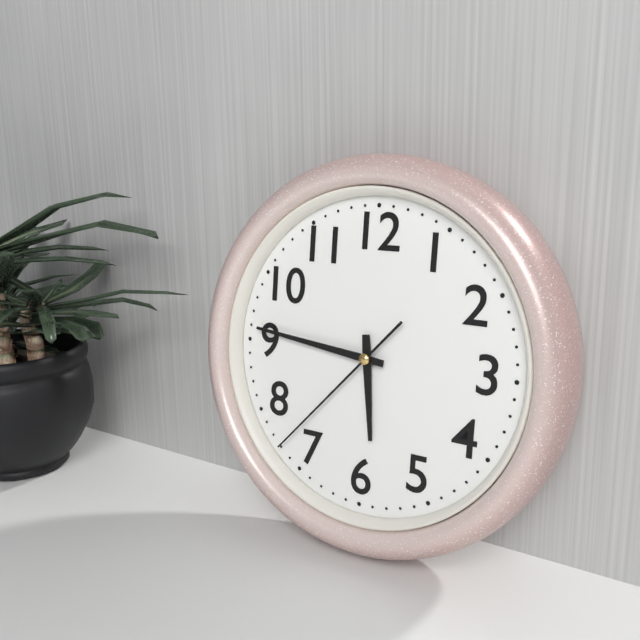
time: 5:46:37
